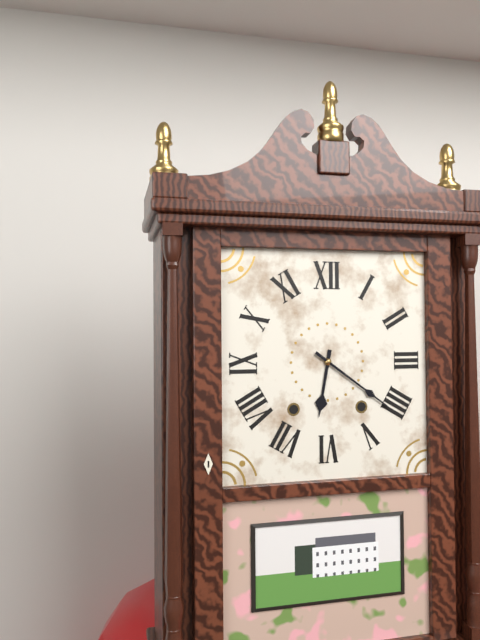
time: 6:21
